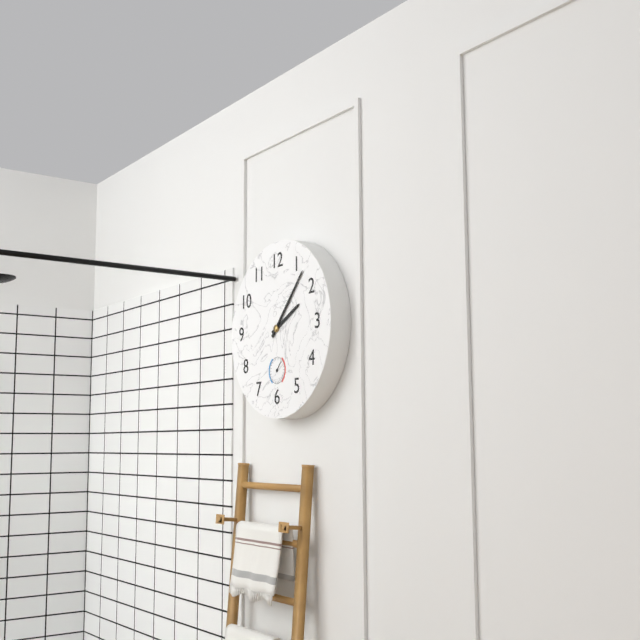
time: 2:07
